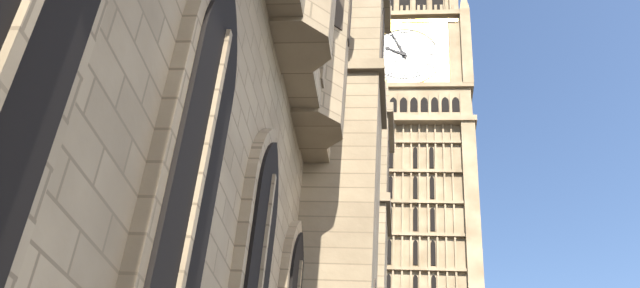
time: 9:56
